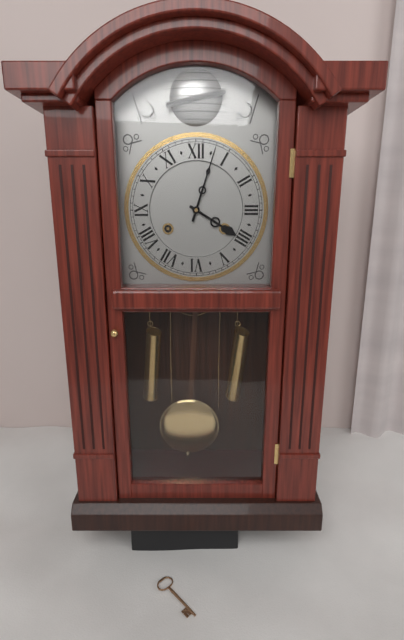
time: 4:03
